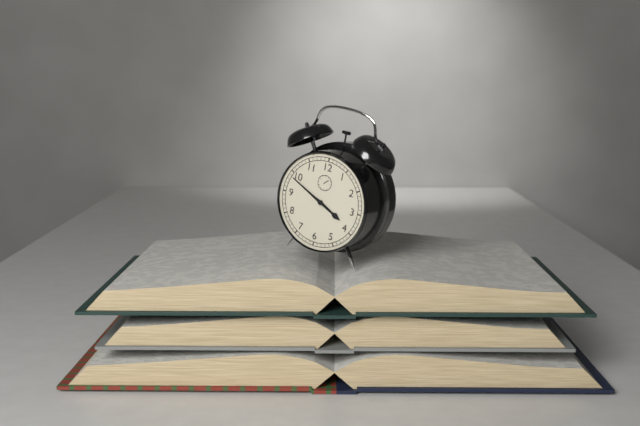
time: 3:49
